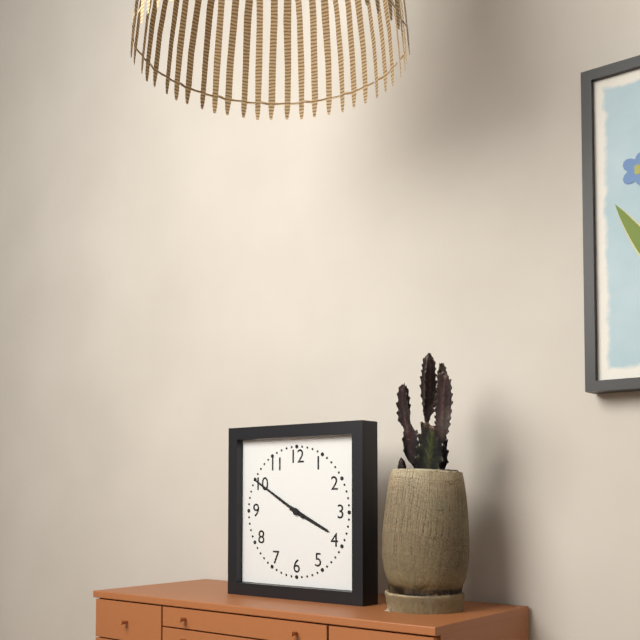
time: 3:50
